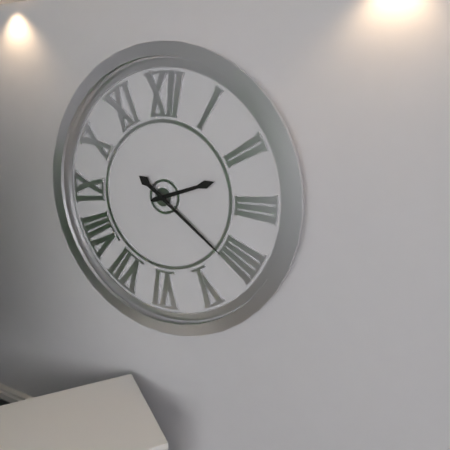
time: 2:21
